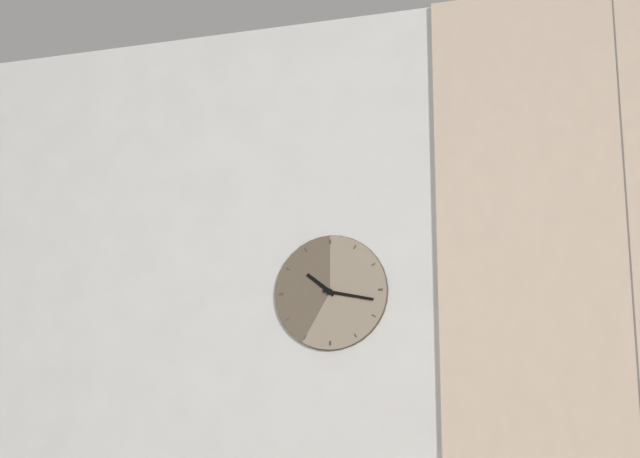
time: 10:17
